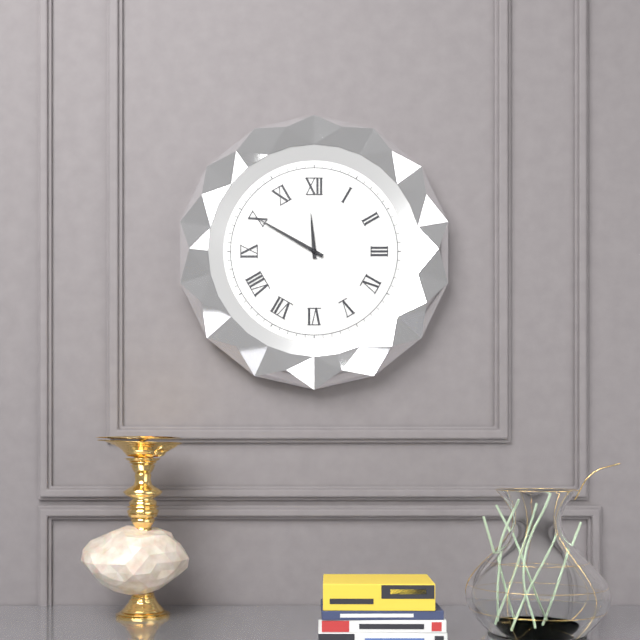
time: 11:50
